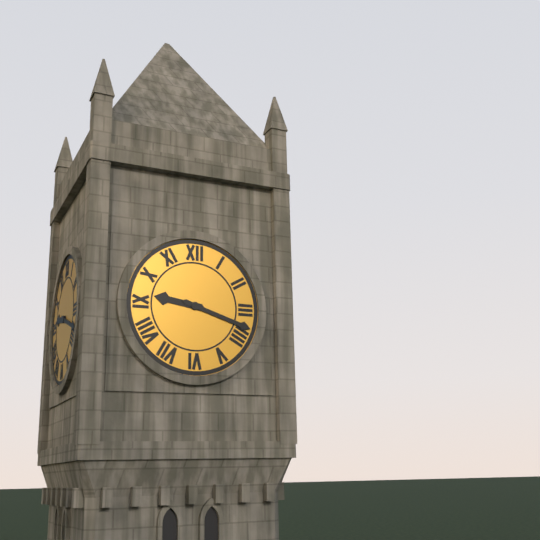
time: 9:18
